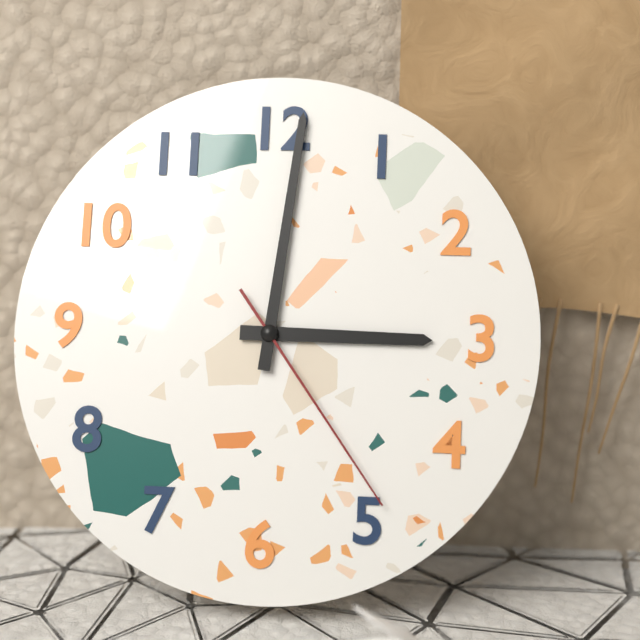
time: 3:01:24
